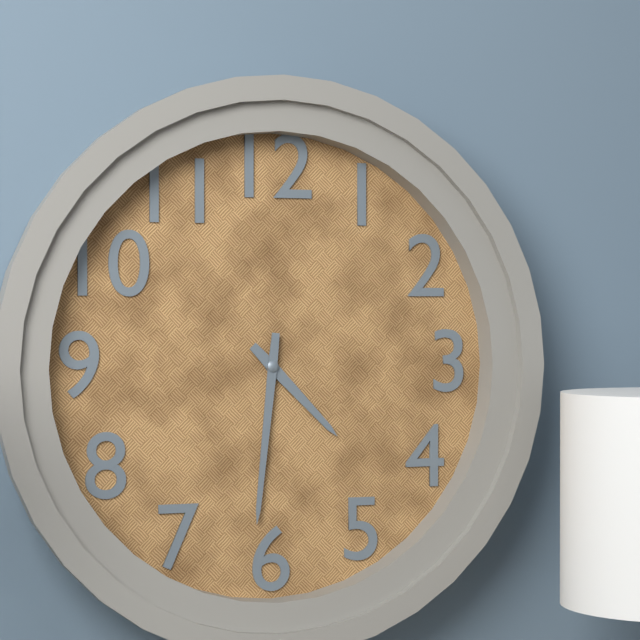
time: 4:31
